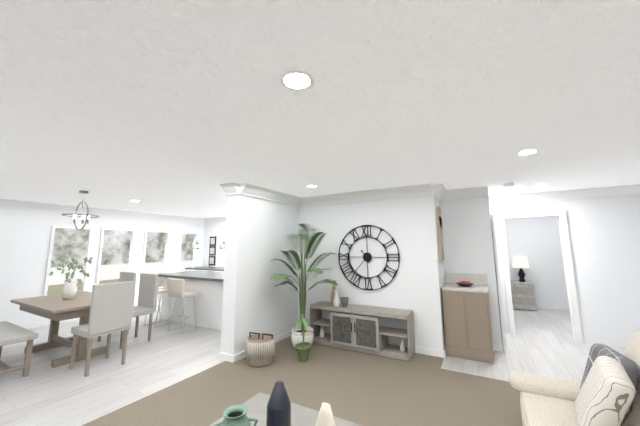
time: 10:37
